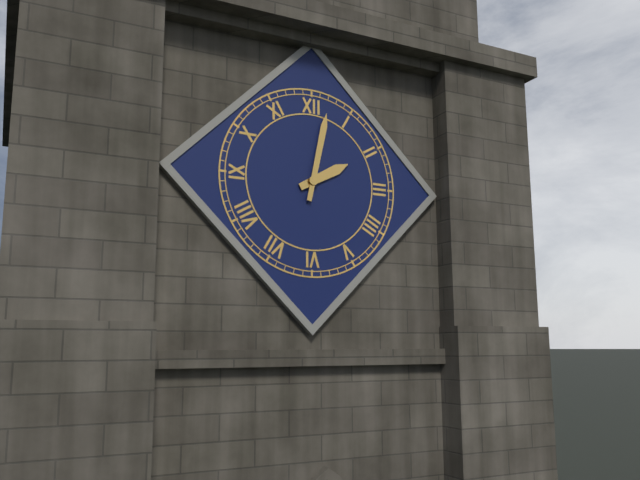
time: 2:02
